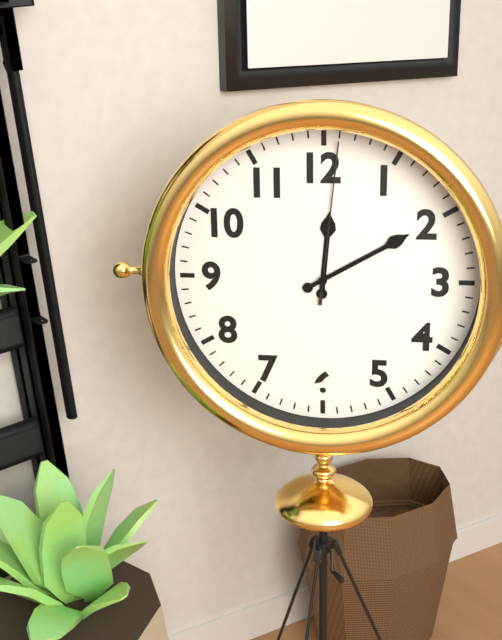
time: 12:10:01
